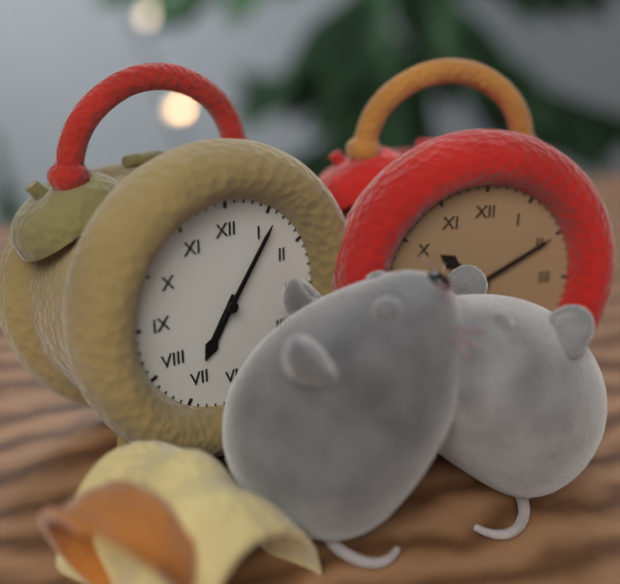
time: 7:06
